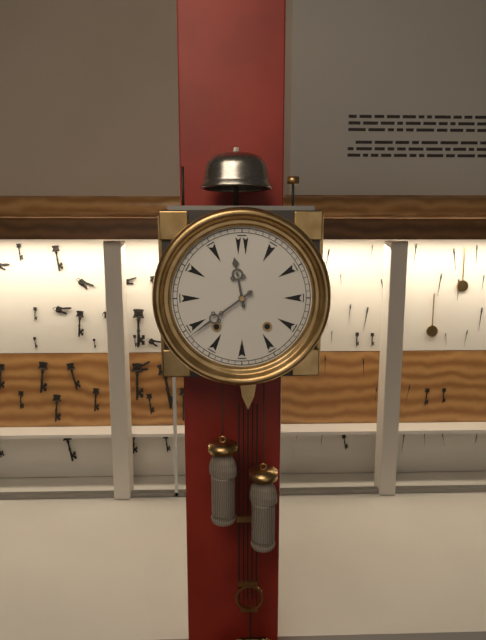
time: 11:39
